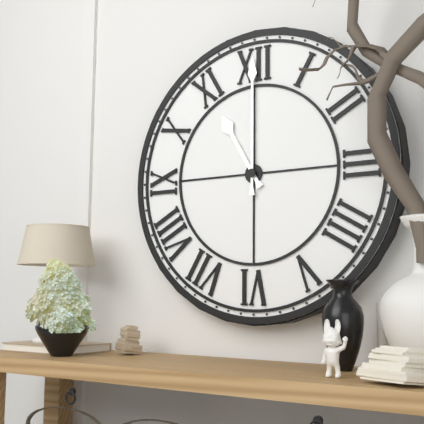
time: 11:00
